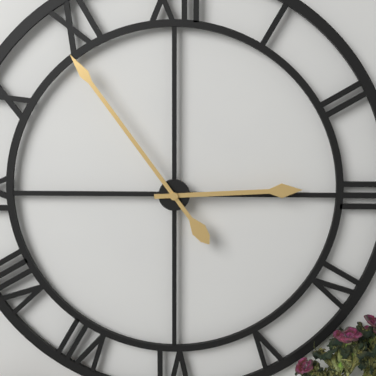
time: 2:54
